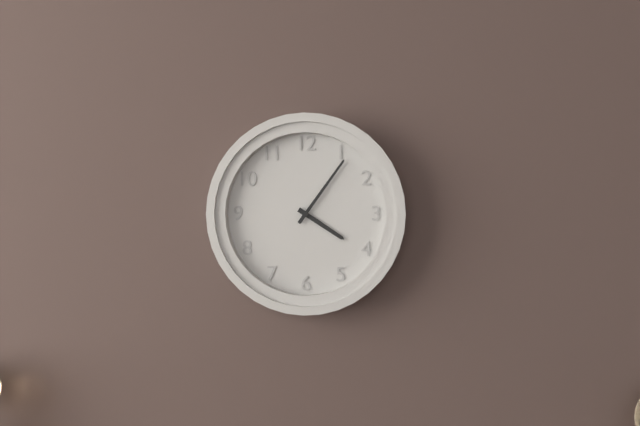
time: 4:06
